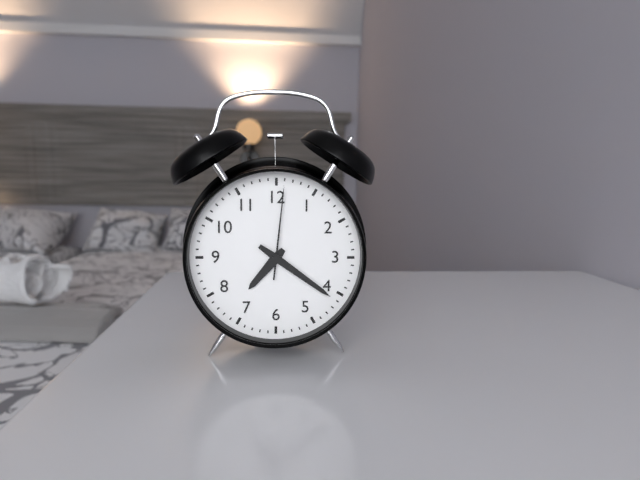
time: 7:21:01
